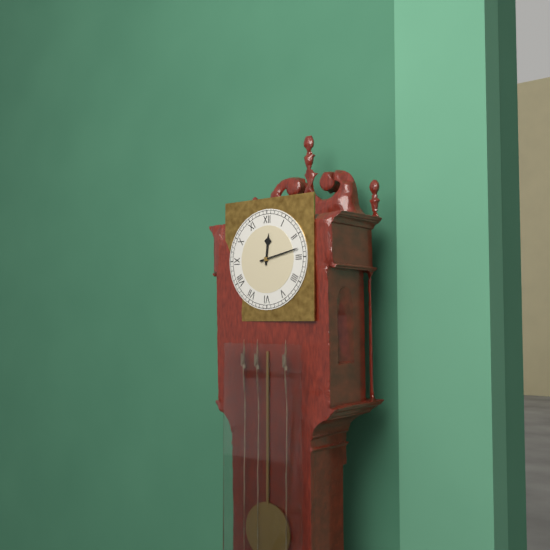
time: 12:13
